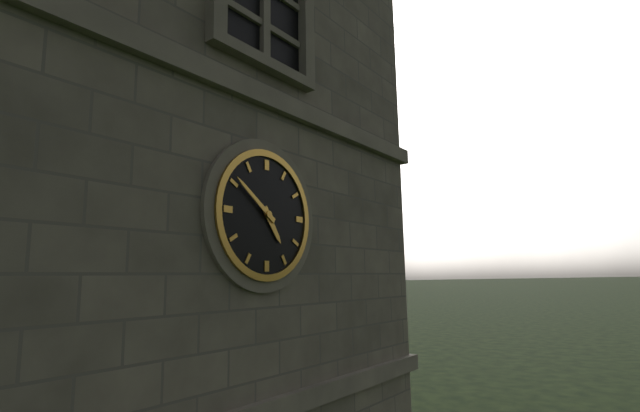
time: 4:51
